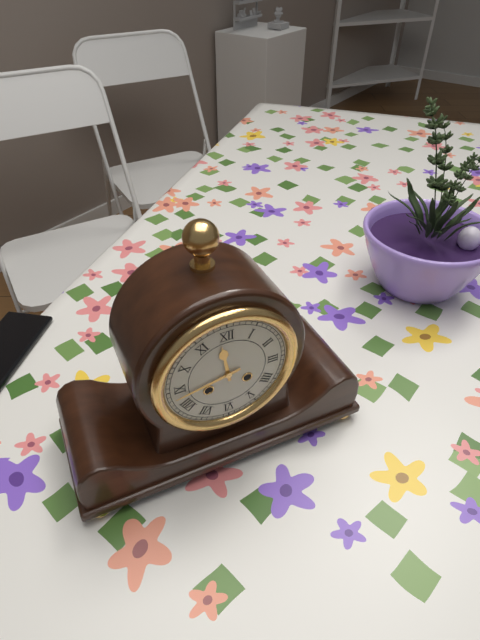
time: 11:43
